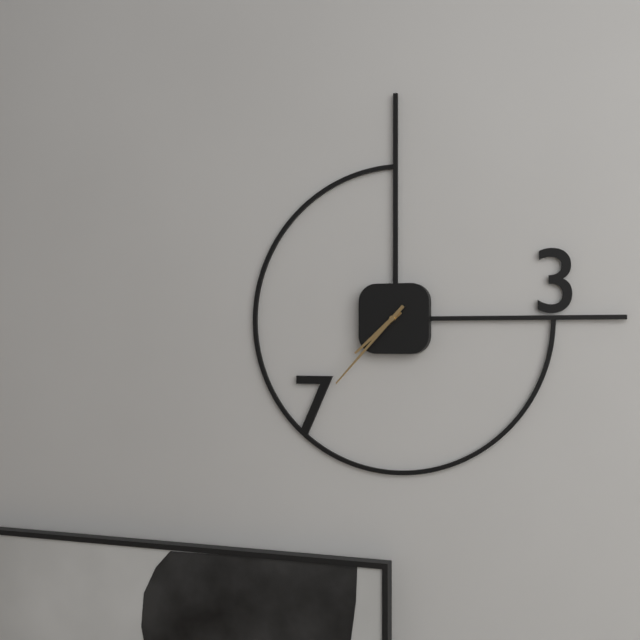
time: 7:37
